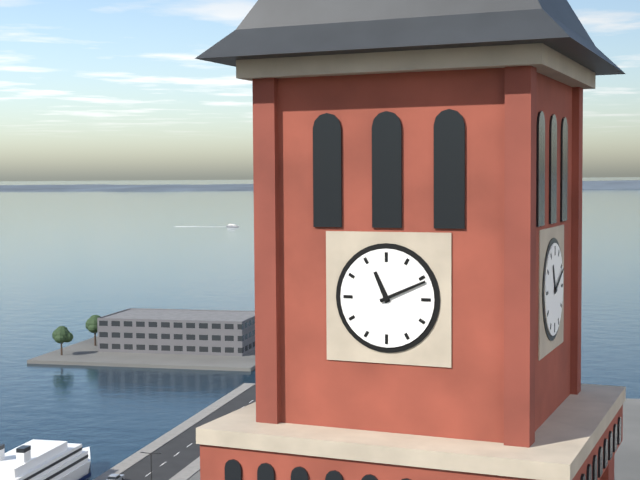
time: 11:11
